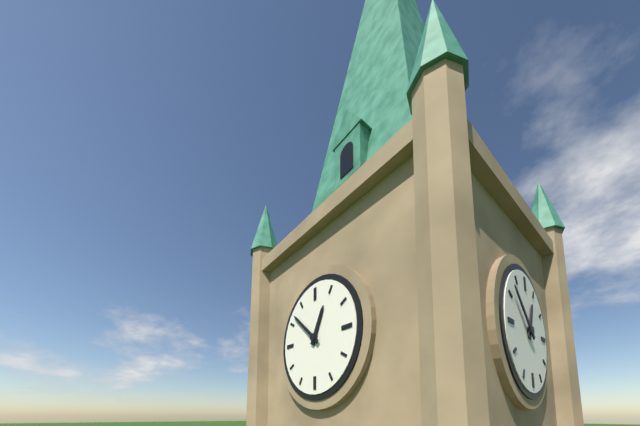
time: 12:52
